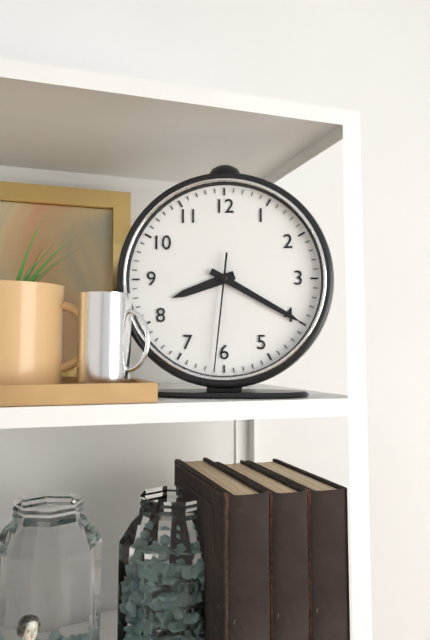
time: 8:20:31
